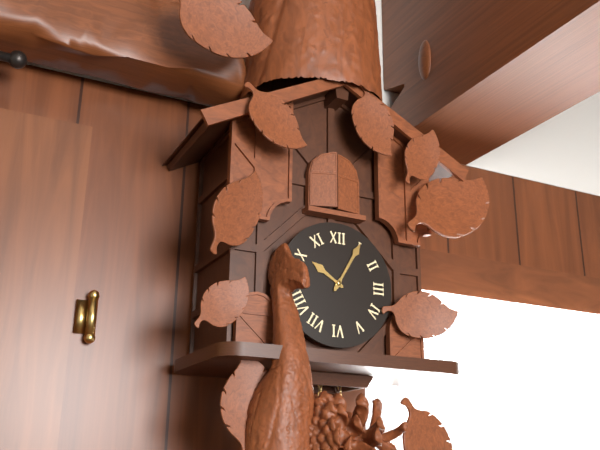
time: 10:05
